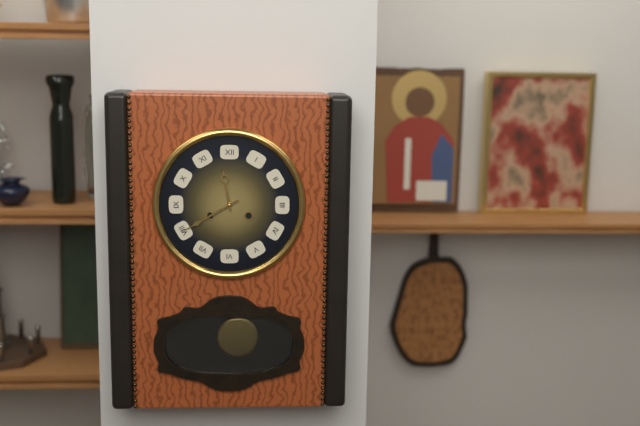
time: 11:40
